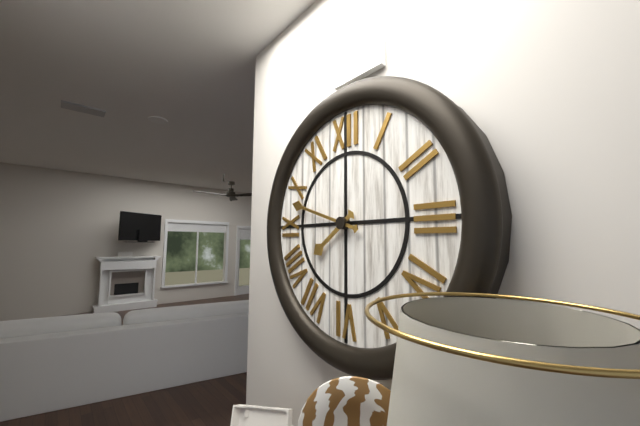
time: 7:48
